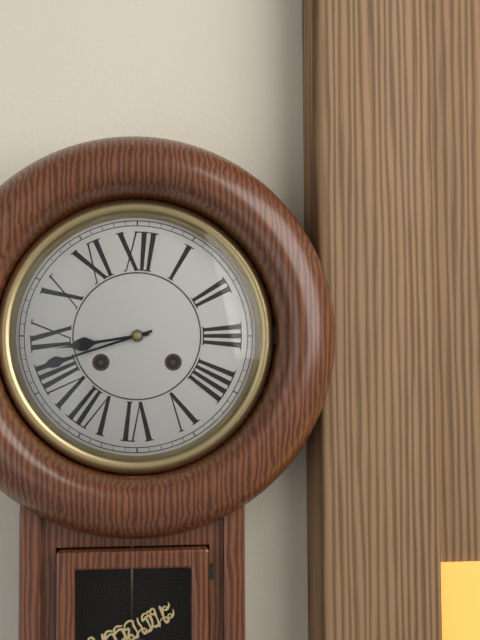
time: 8:42
